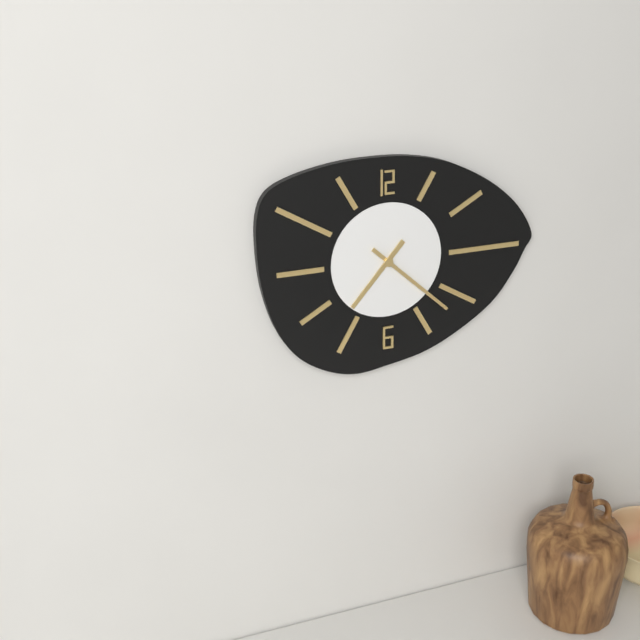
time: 7:22
